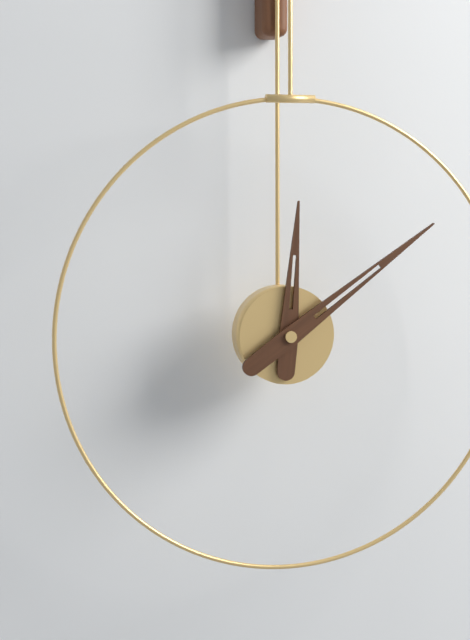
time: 12:09
